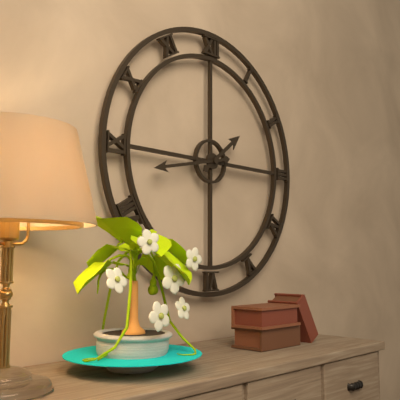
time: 1:43
